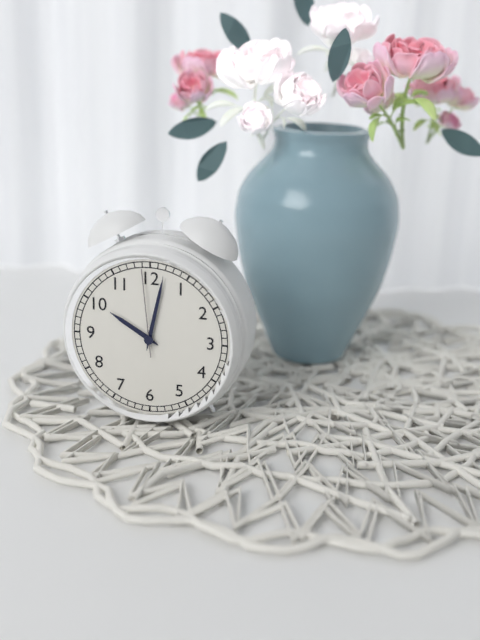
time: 10:02:59
